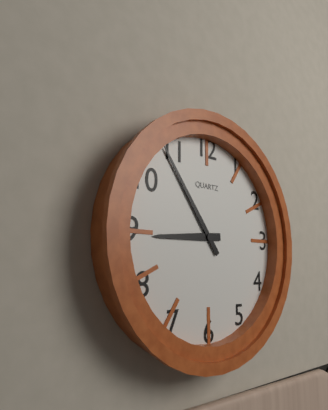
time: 8:54
